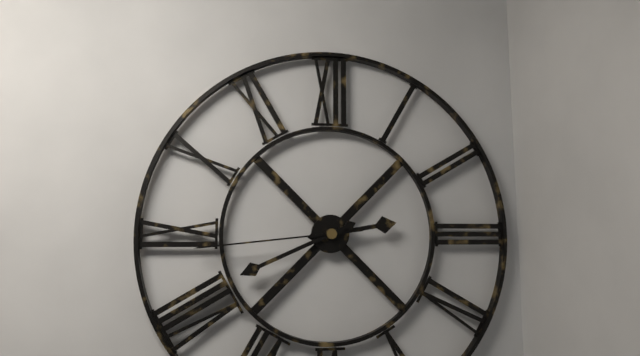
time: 2:41:44
